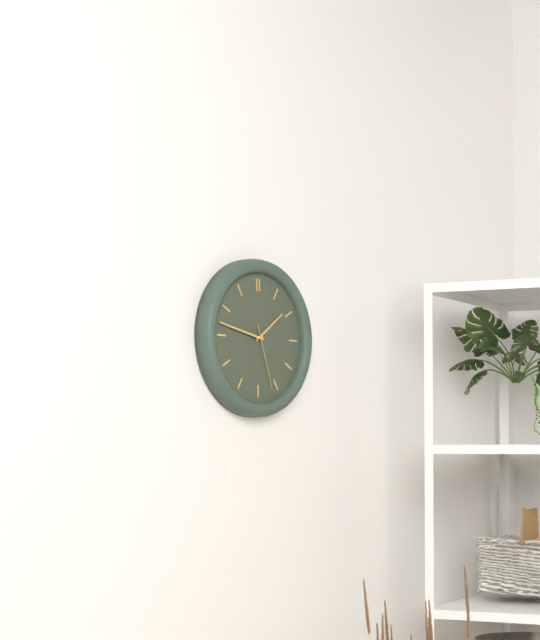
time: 1:47:27
